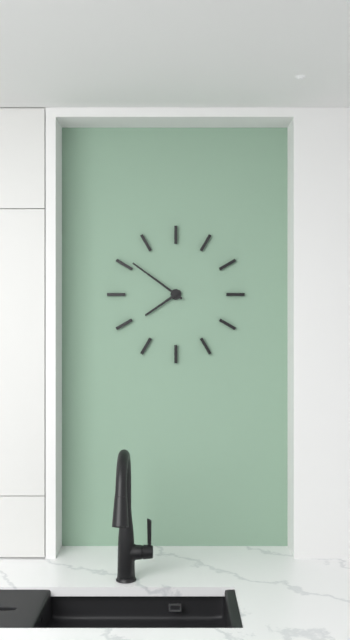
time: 7:51
